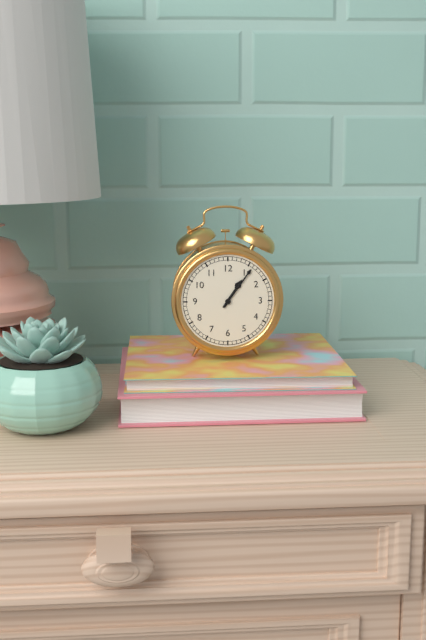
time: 1:06
